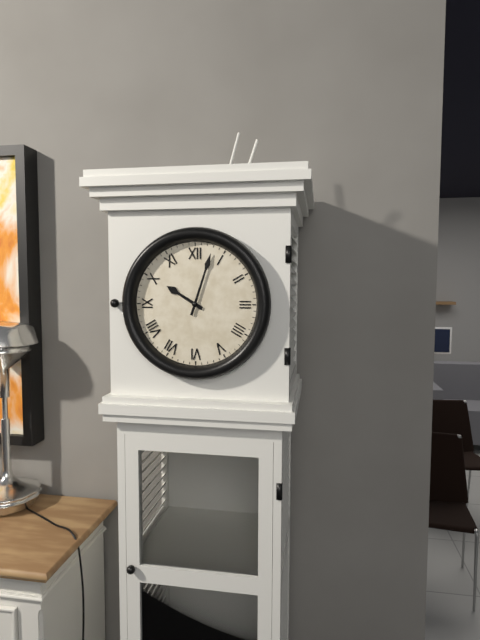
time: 10:03
